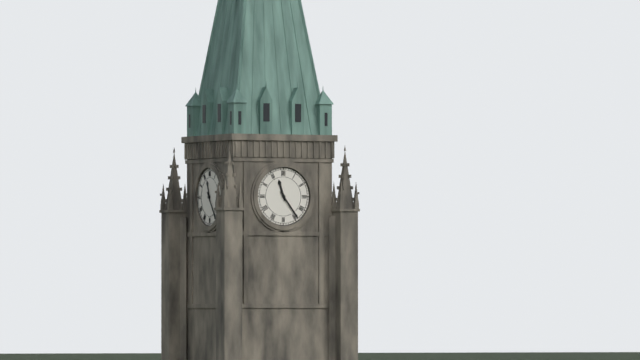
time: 11:24
